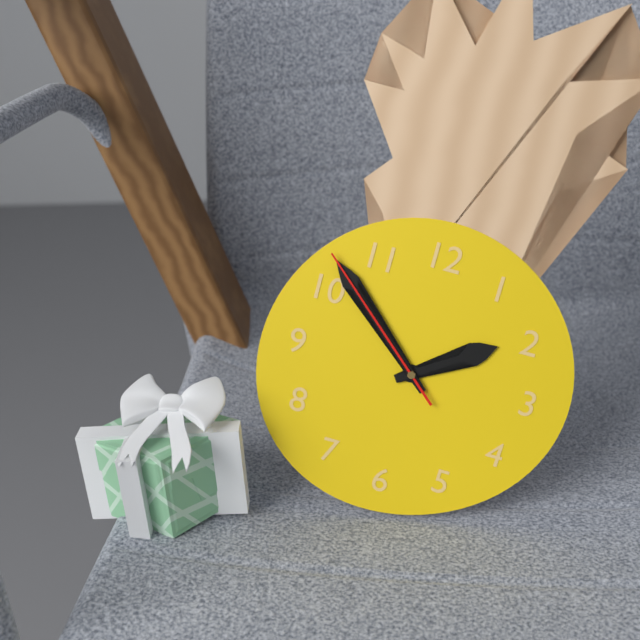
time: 1:52:52
